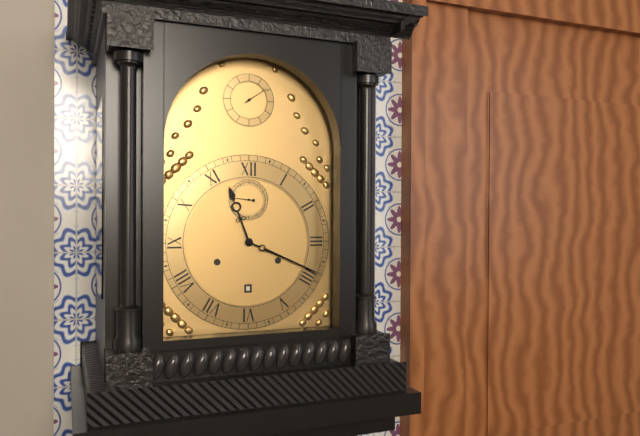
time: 11:19
